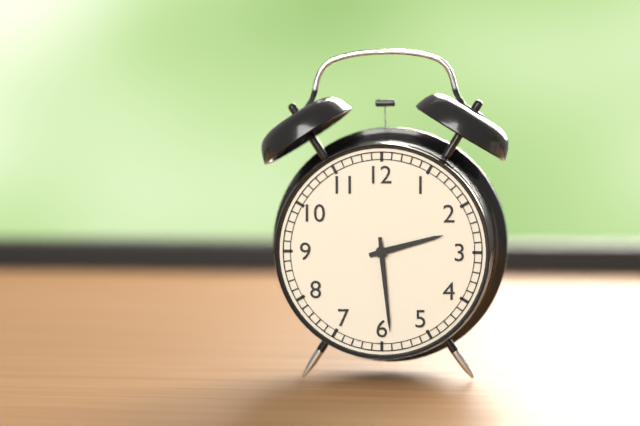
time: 2:29
